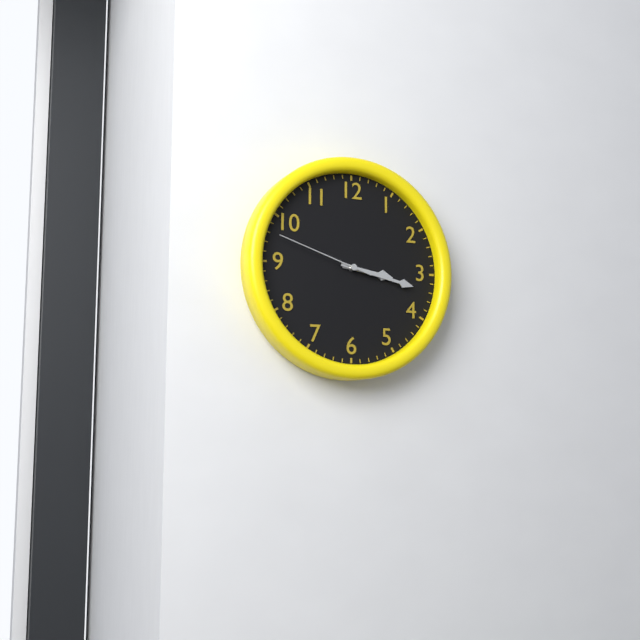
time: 3:17:48
